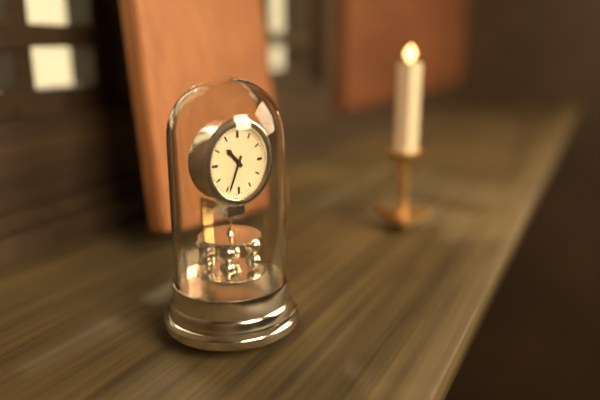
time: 10:34
